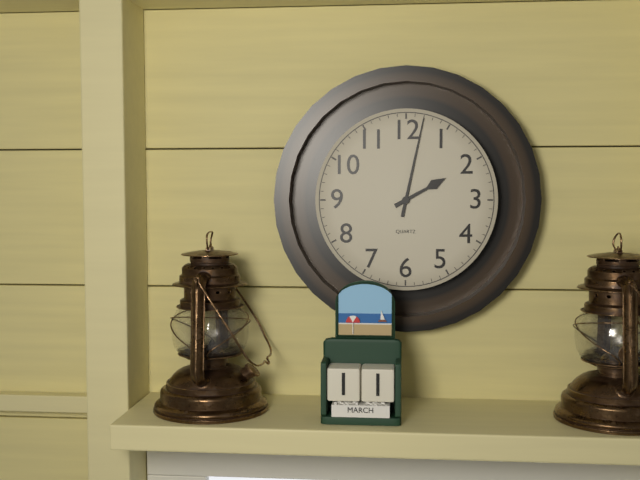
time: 2:02
